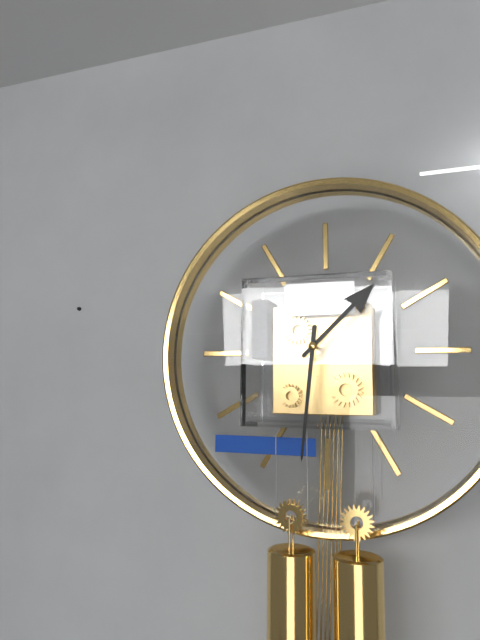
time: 1:31
